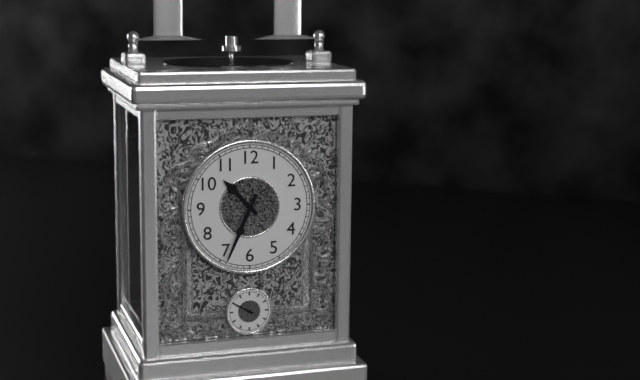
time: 10:34
